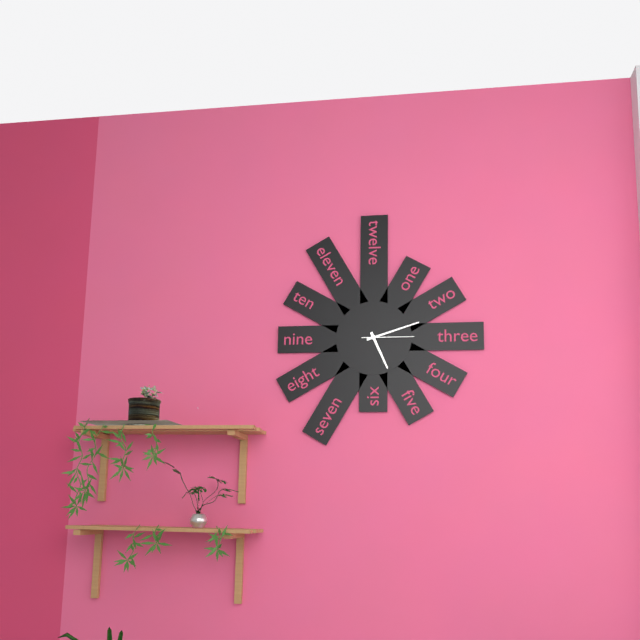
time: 5:12:15
